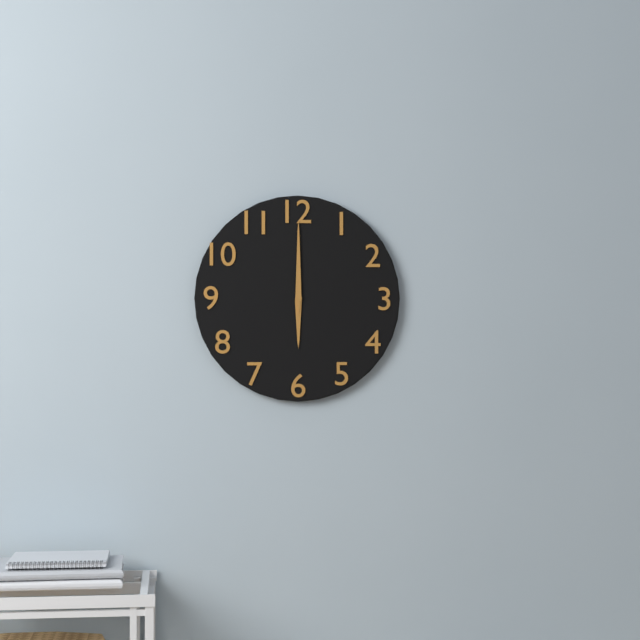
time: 6:00
